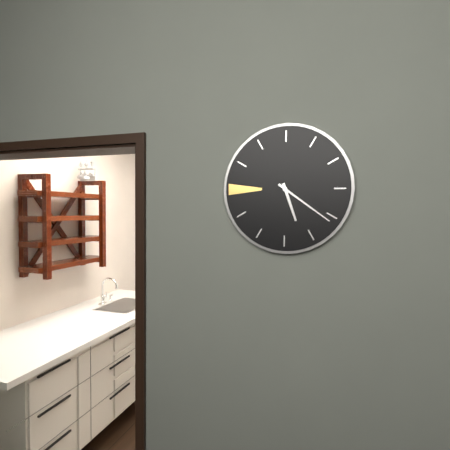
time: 5:21
